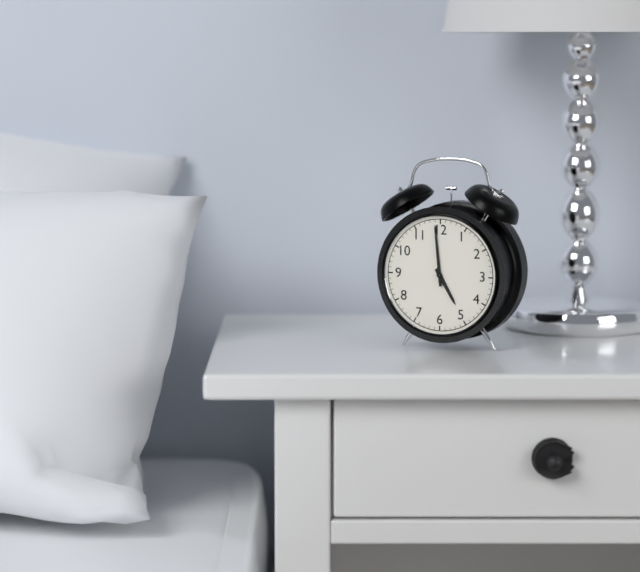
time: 4:59
